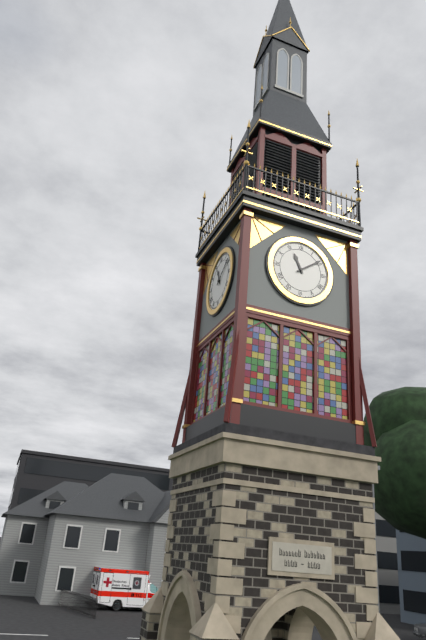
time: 11:09
